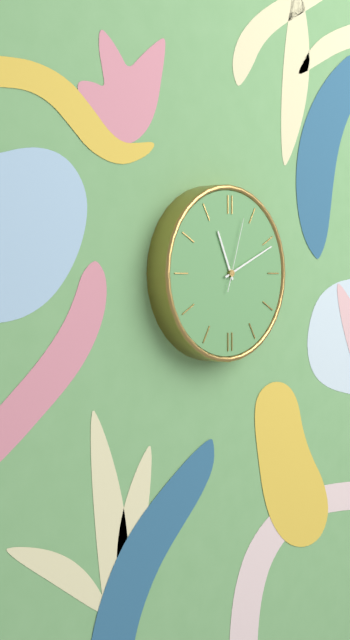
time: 11:11:03
